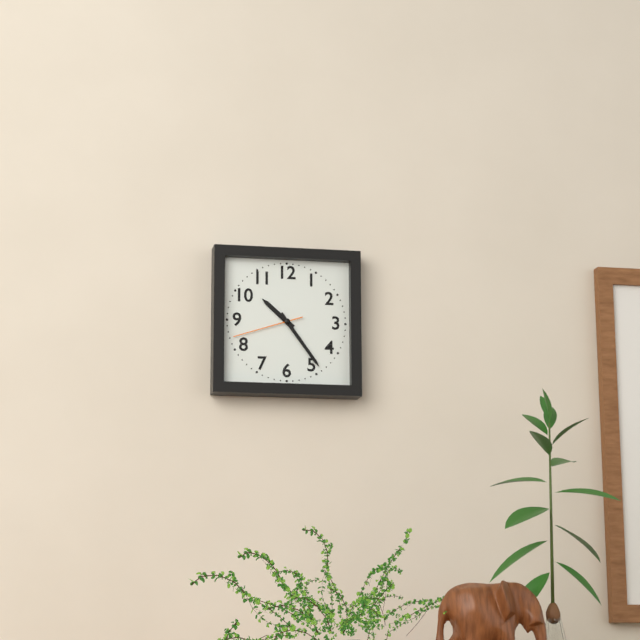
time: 10:24:42
